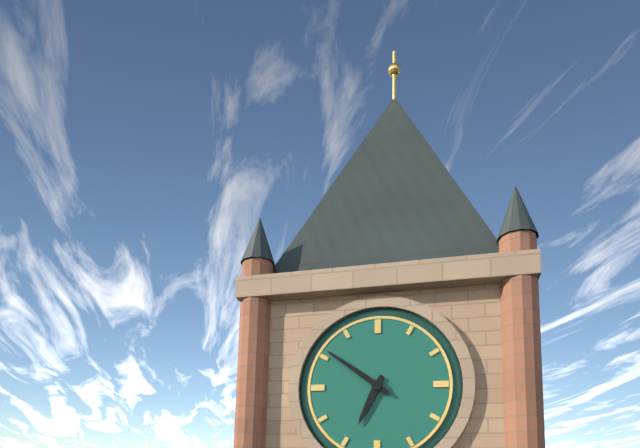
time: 6:51
